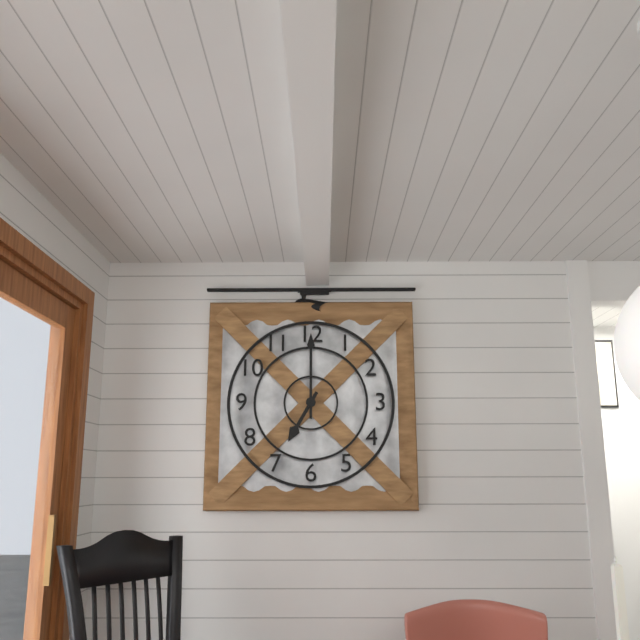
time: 7:00
